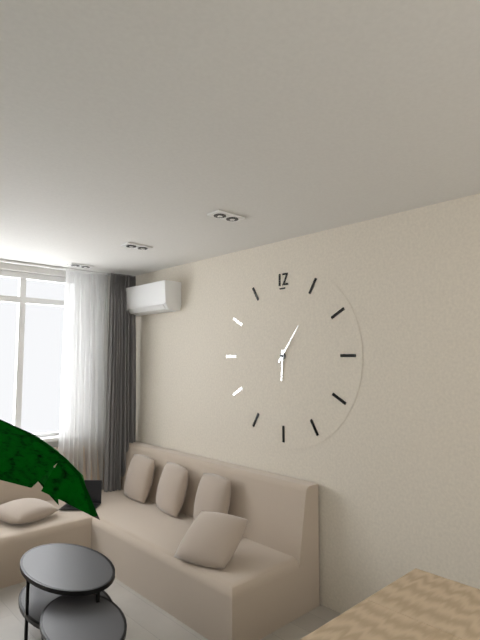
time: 6:06
